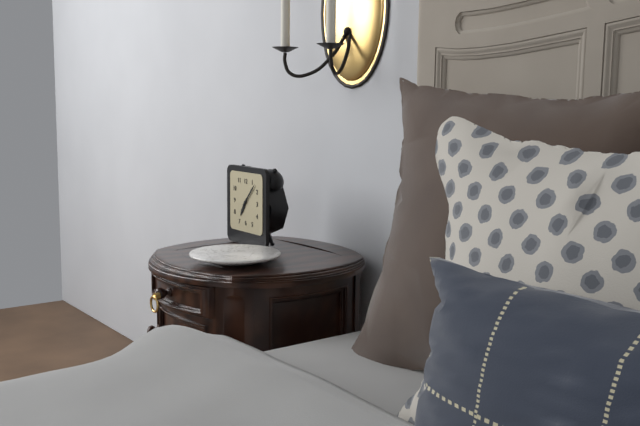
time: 7:07
